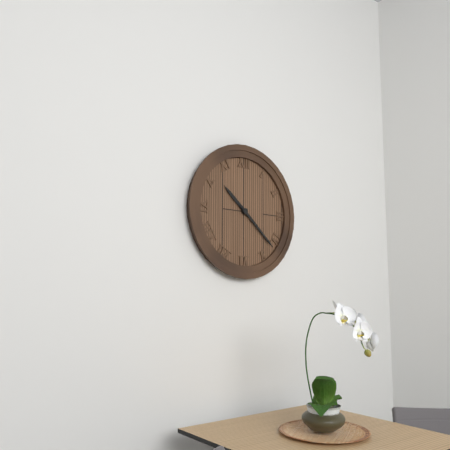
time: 10:22
